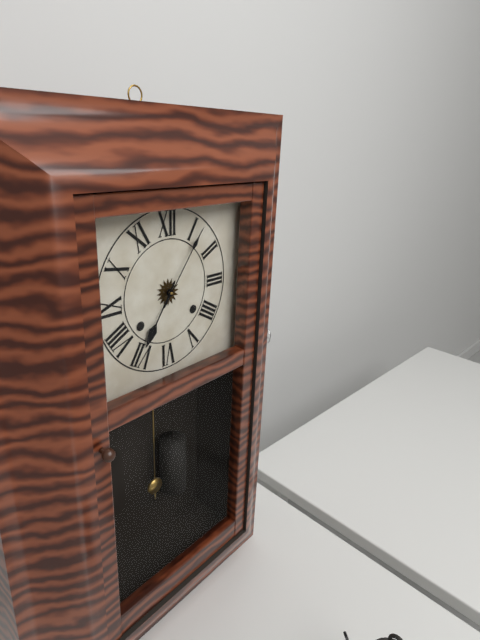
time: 7:06
